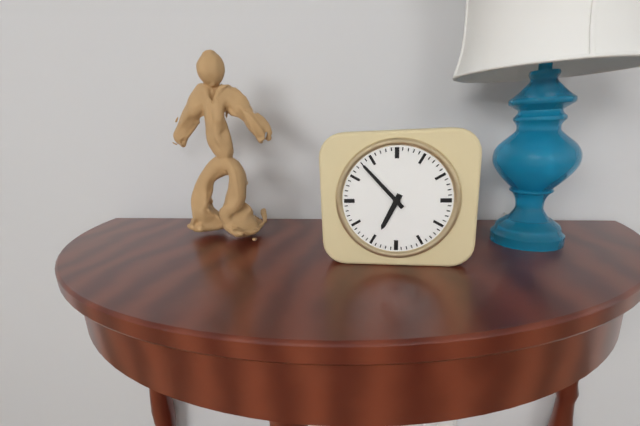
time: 6:53
